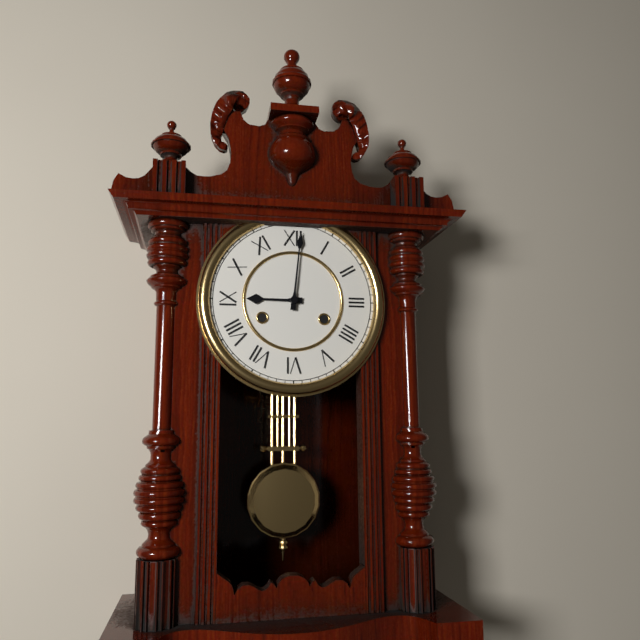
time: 9:01
